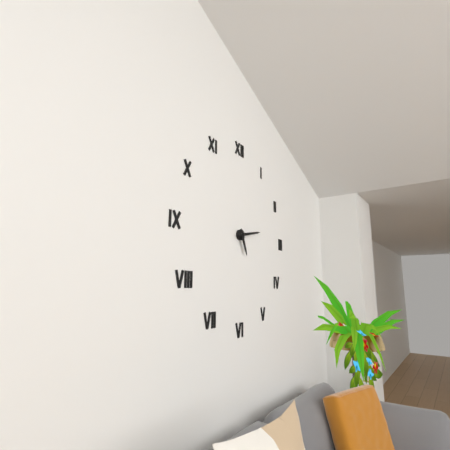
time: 5:13
